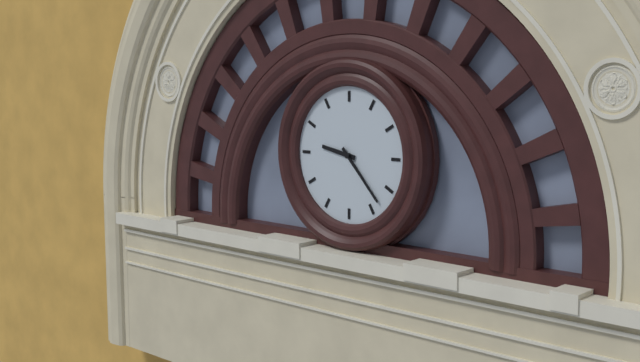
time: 9:23
